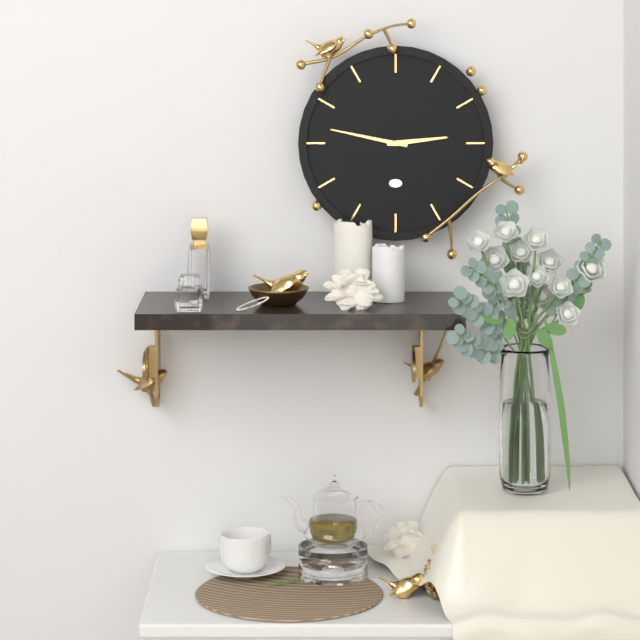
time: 2:47
